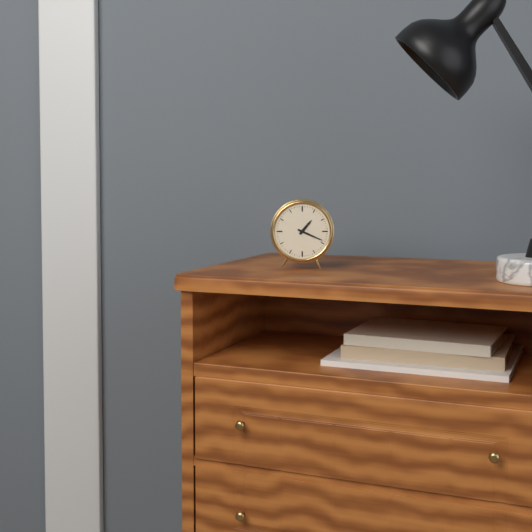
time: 1:19
